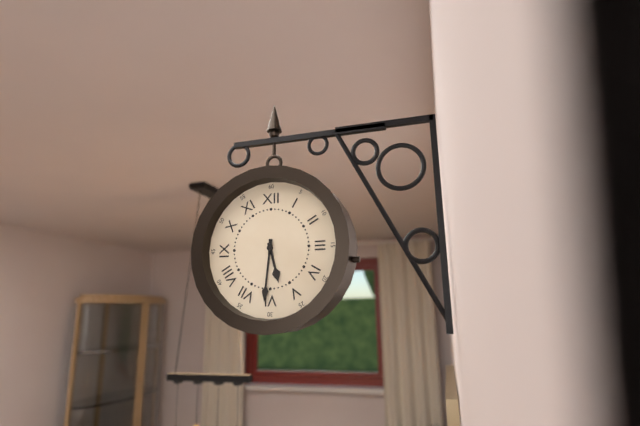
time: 5:31
